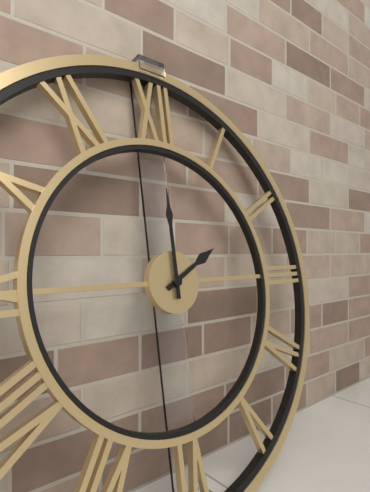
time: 2:00
